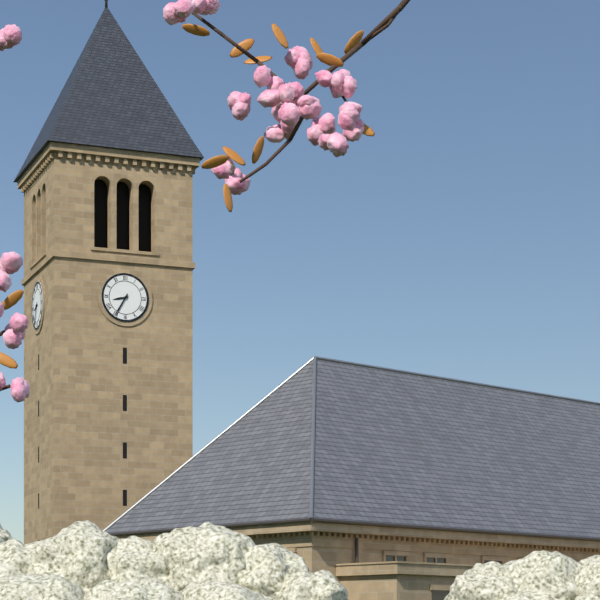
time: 8:35
